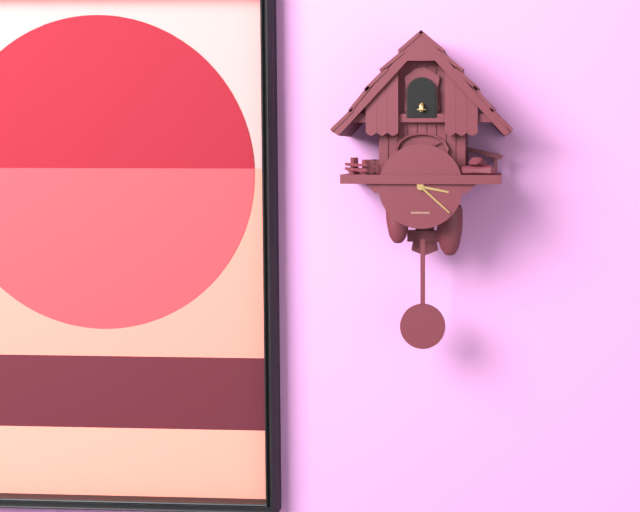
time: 3:22
